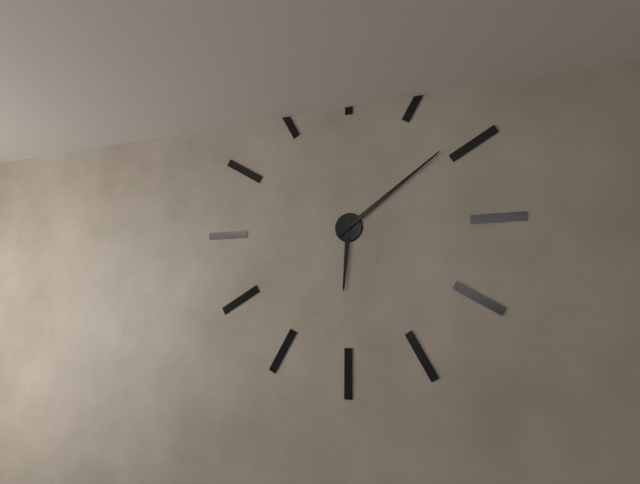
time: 6:09
